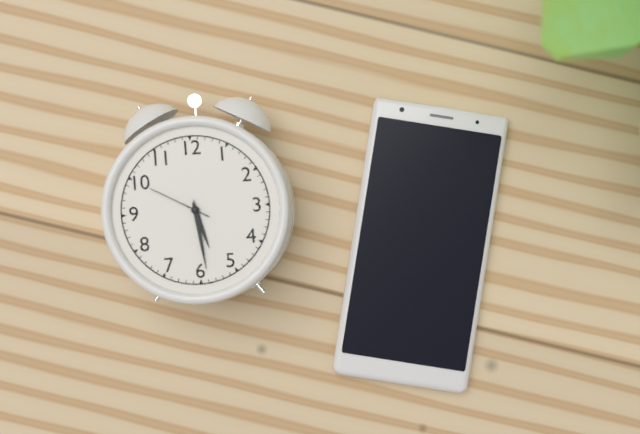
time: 5:29:50
